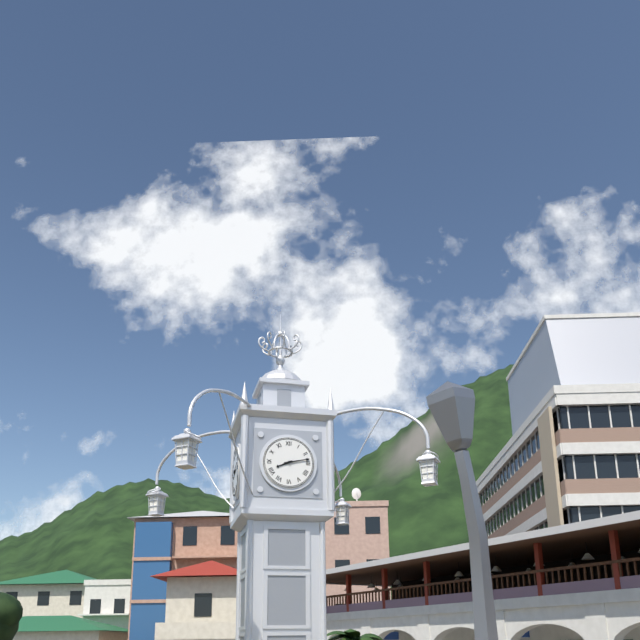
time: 8:13
